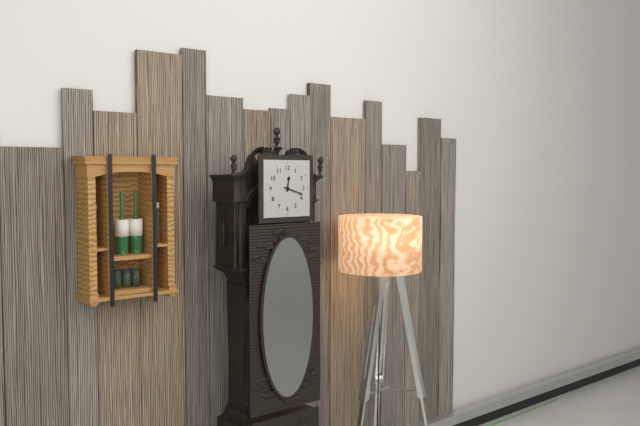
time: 12:18
